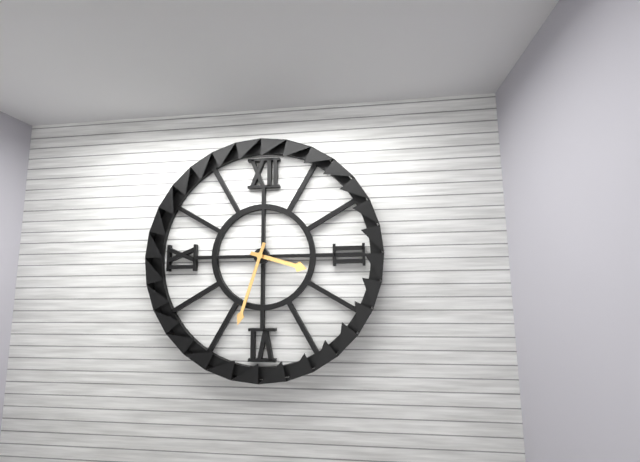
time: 3:33
